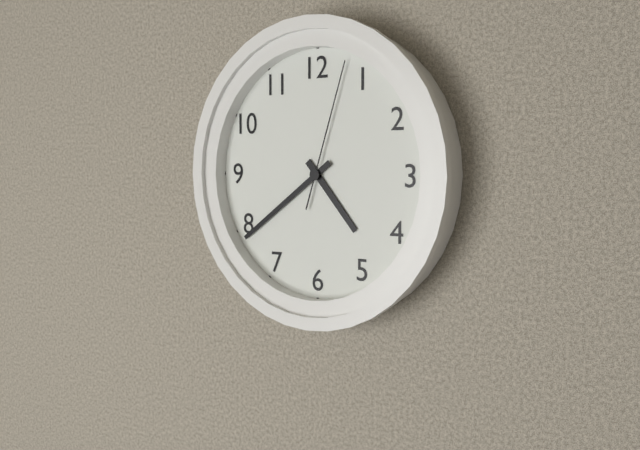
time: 4:39:03
